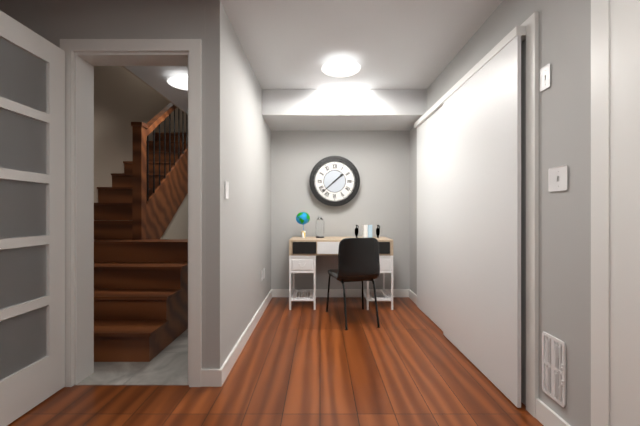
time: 1:38
